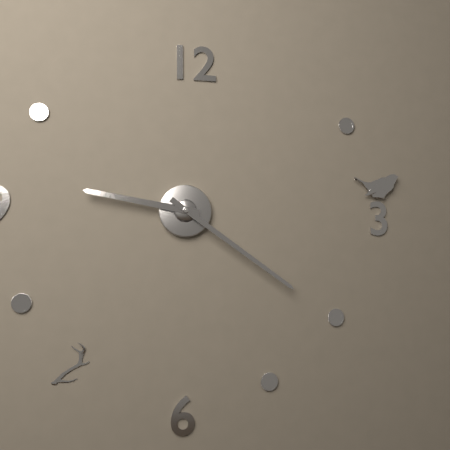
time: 9:21
